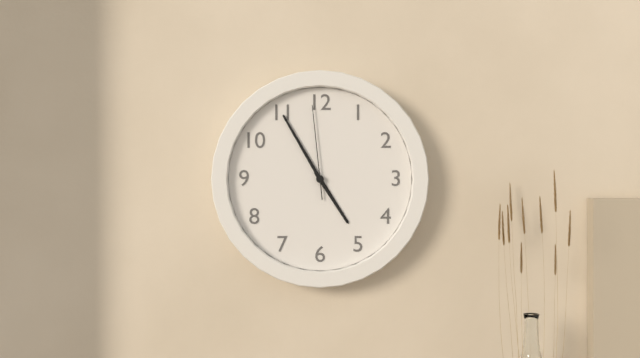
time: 4:55:59
